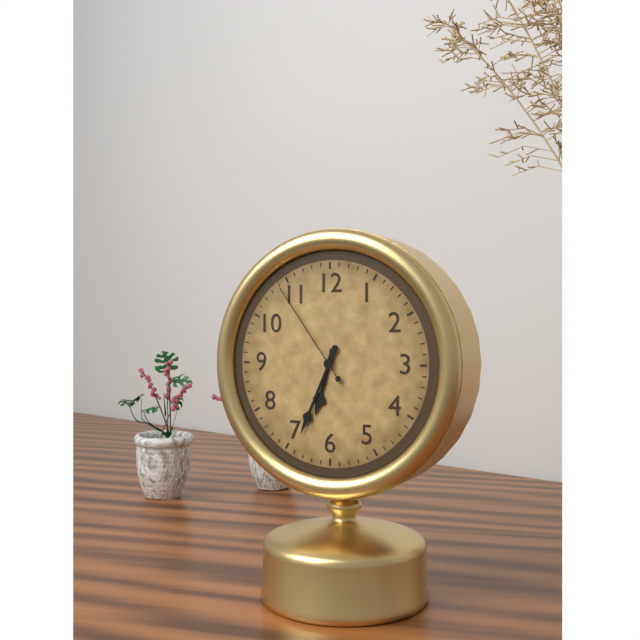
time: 6:34:54
